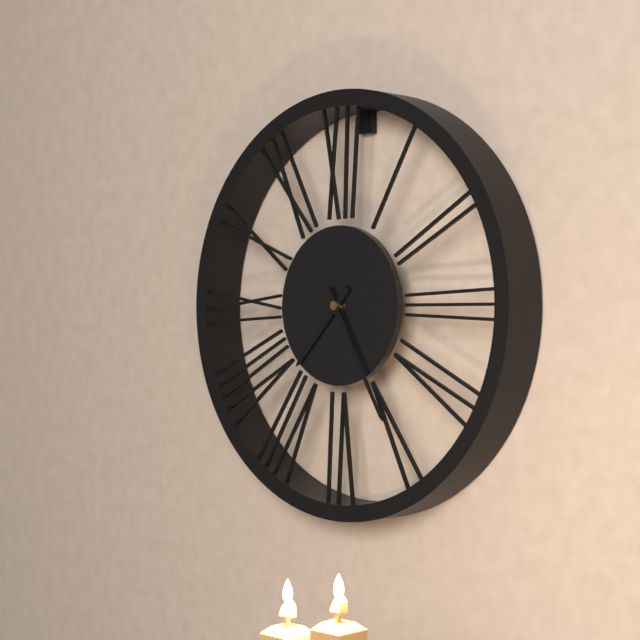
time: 7:25
